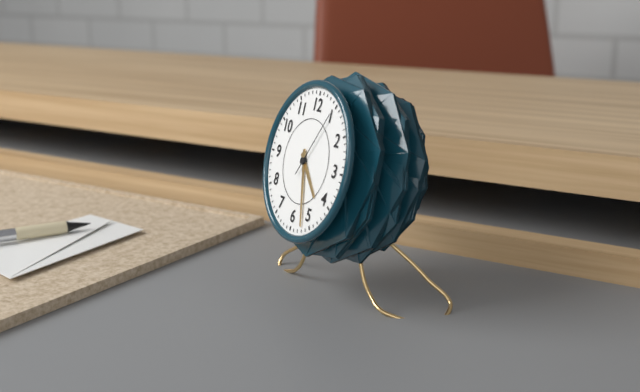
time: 4:27:05
